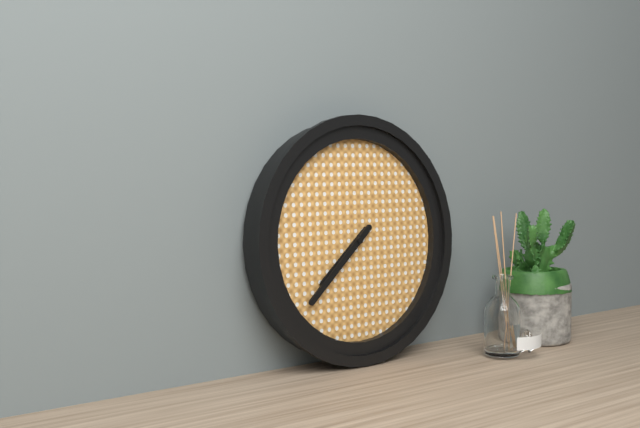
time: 7:38
